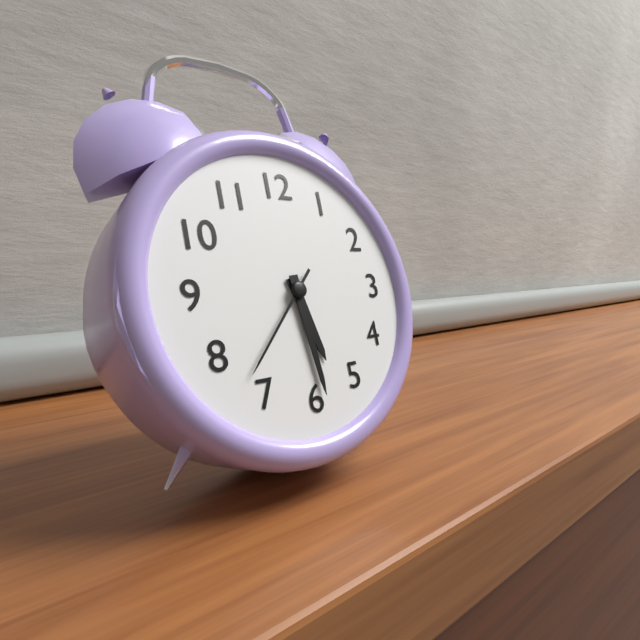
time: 5:29:37
